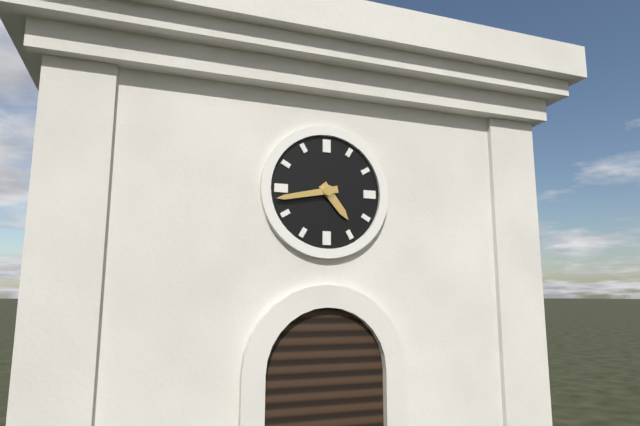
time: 4:43
